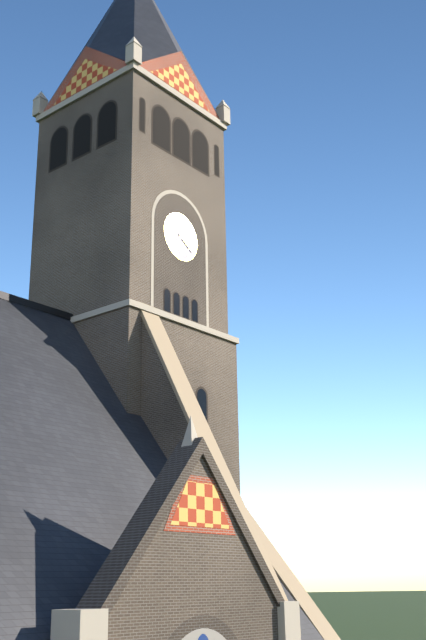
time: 7:21
